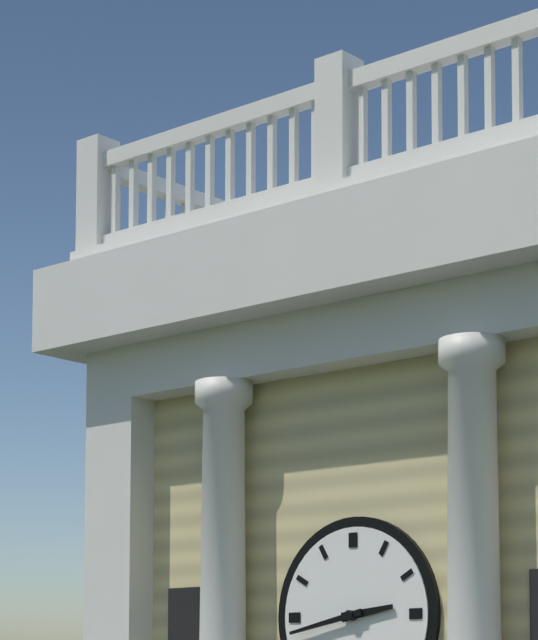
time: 2:43
